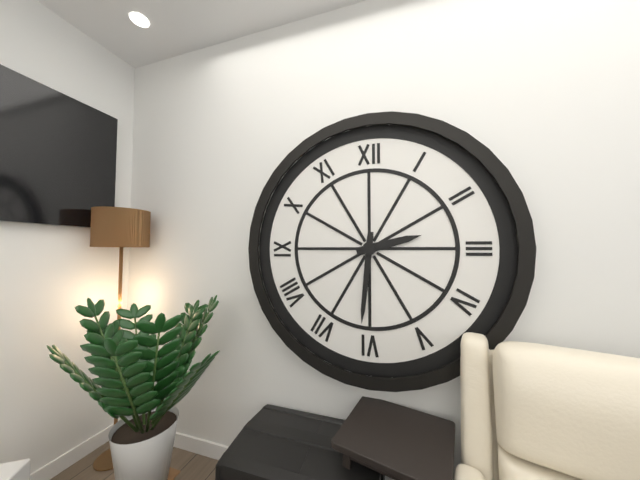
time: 2:31
